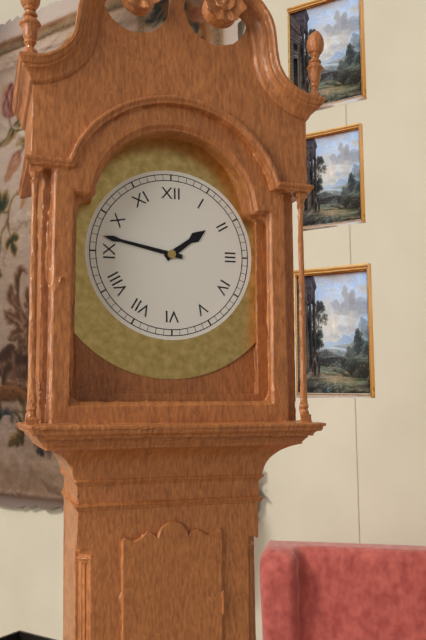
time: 1:47
